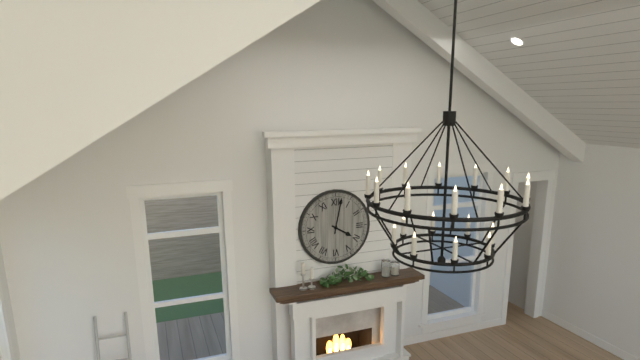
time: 4:02
